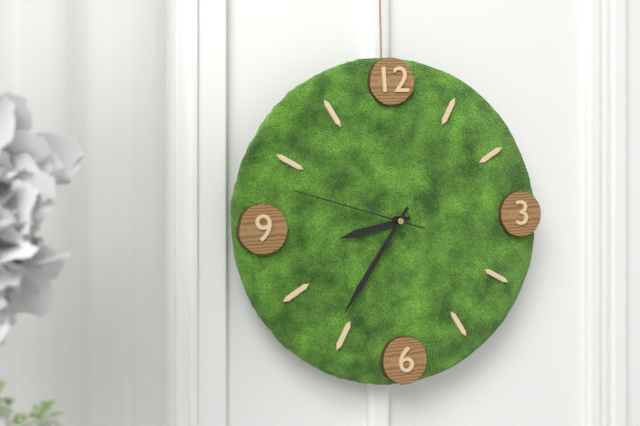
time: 8:36:48
